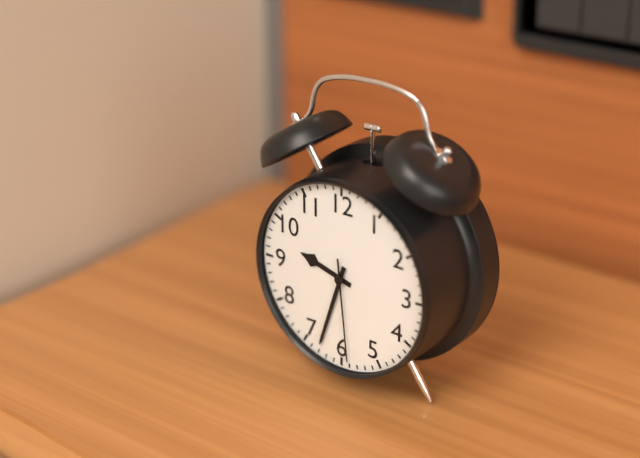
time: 9:33:29
